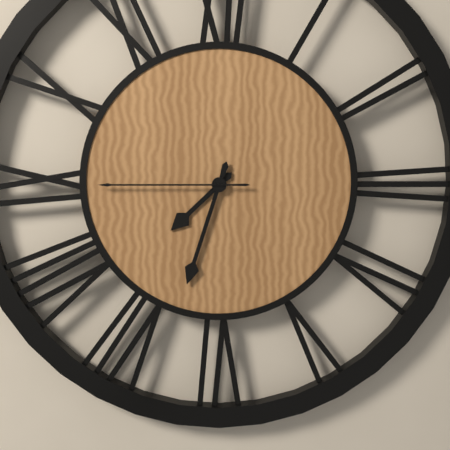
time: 7:33:45
